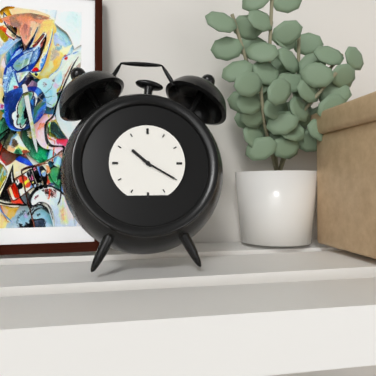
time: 10:20
